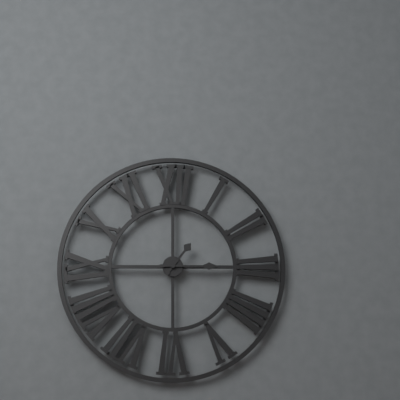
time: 1:15
